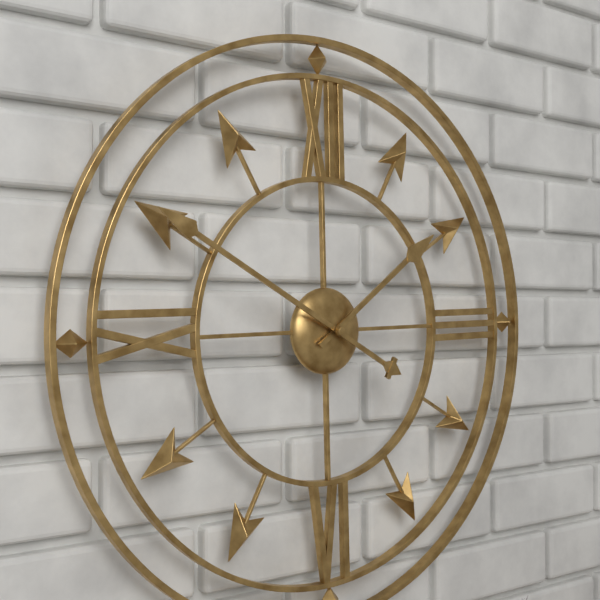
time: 1:50
